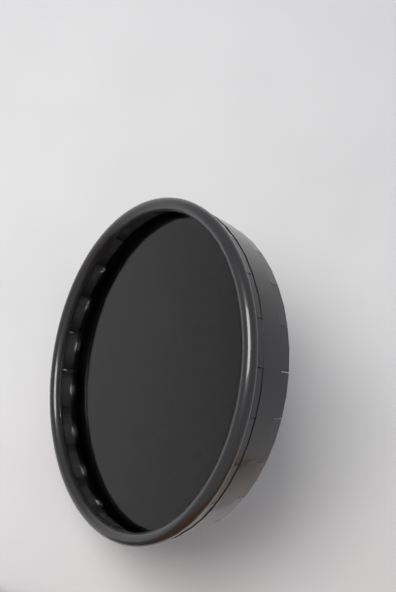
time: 12:56
